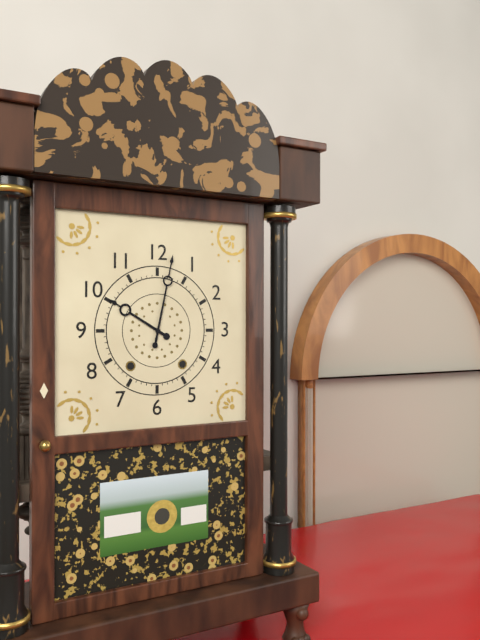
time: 10:02
